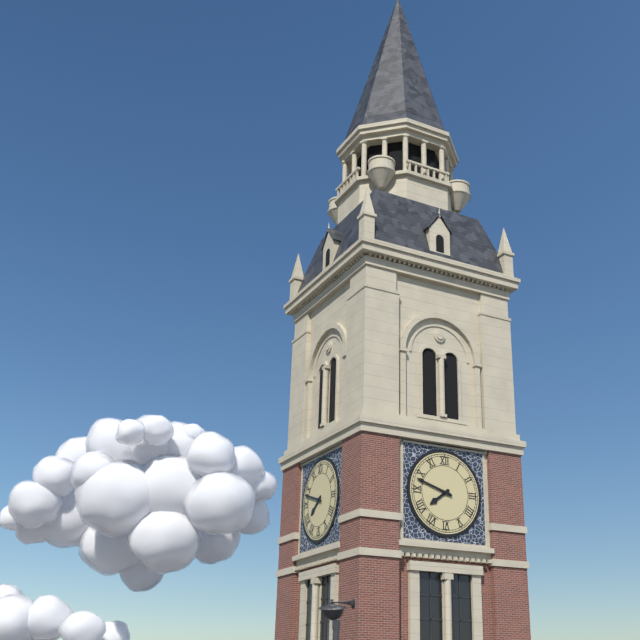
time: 7:48
